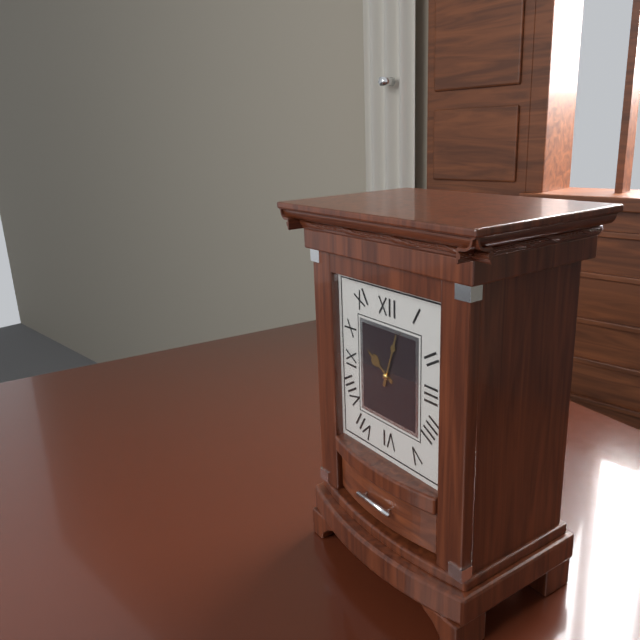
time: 10:03
